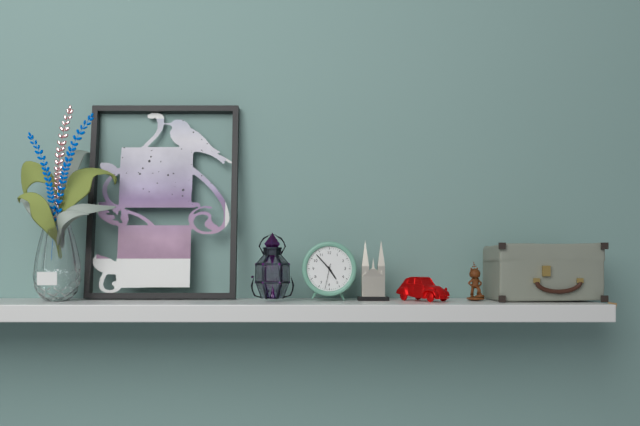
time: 4:53
